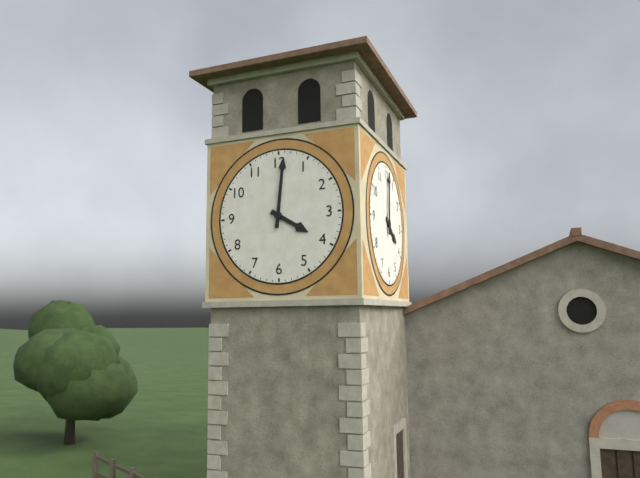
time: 4:01
